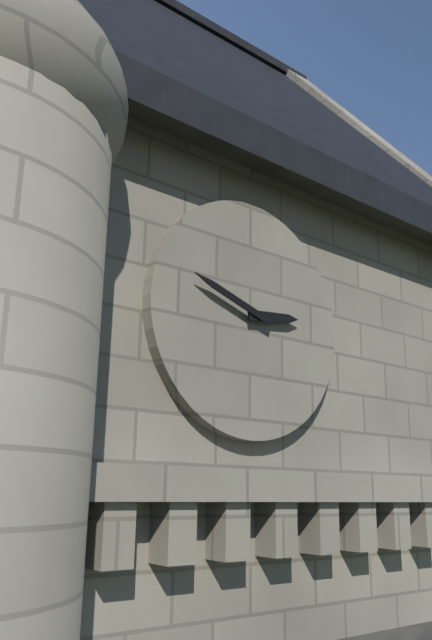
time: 2:48
